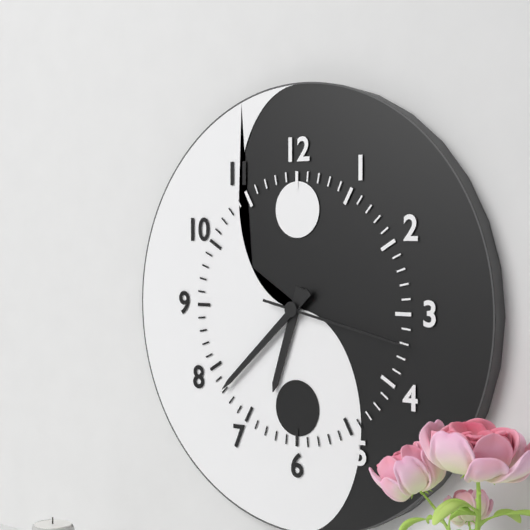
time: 6:38:17
